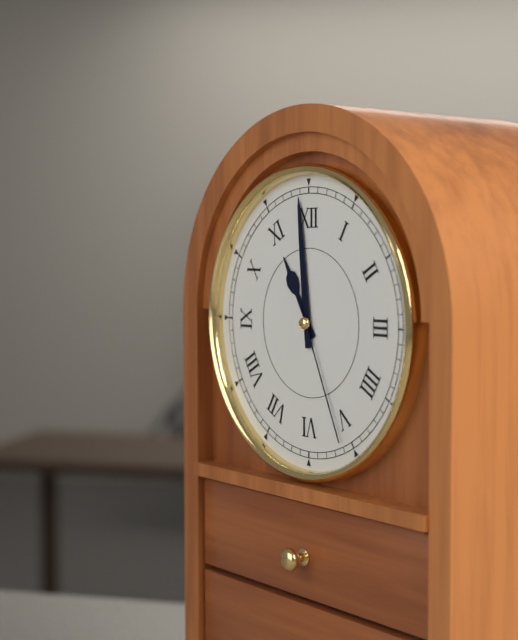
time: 10:59:26
